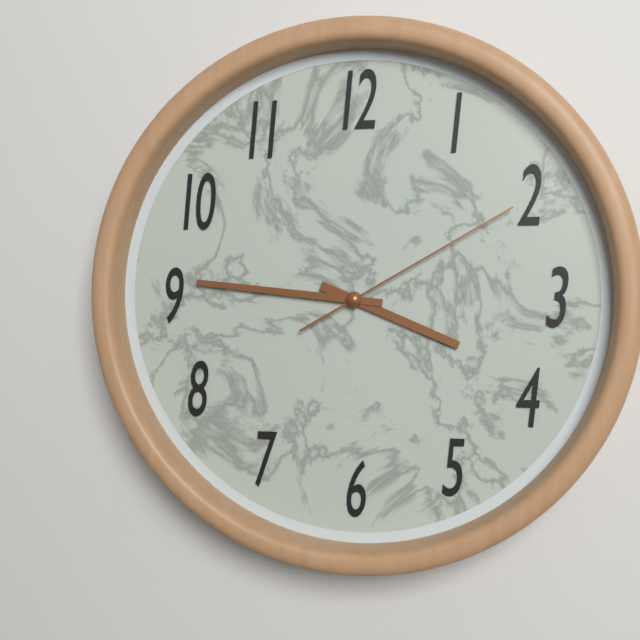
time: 3:46:10
